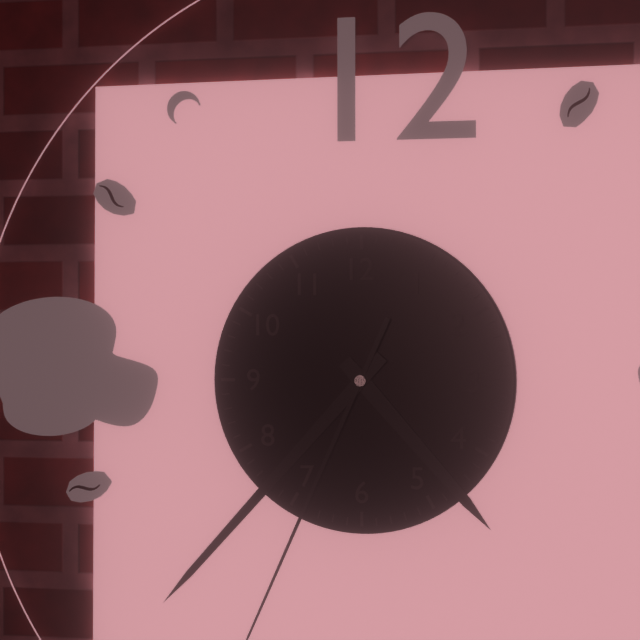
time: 4:37
